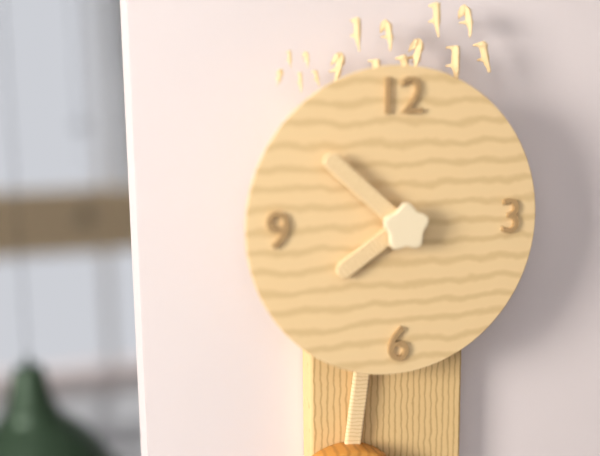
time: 7:52
